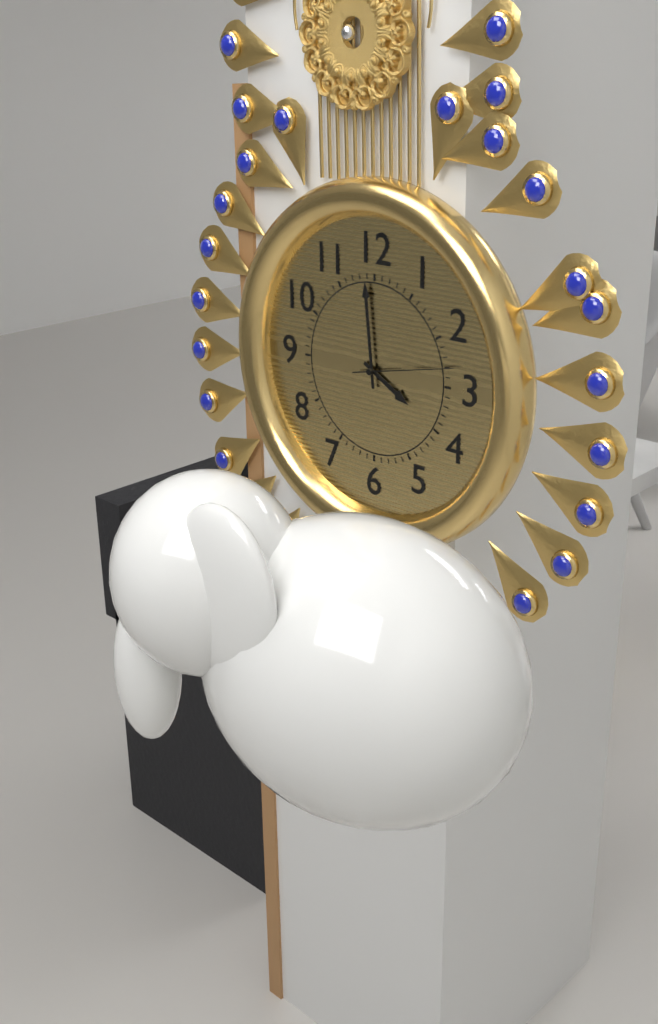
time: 3:59:13
